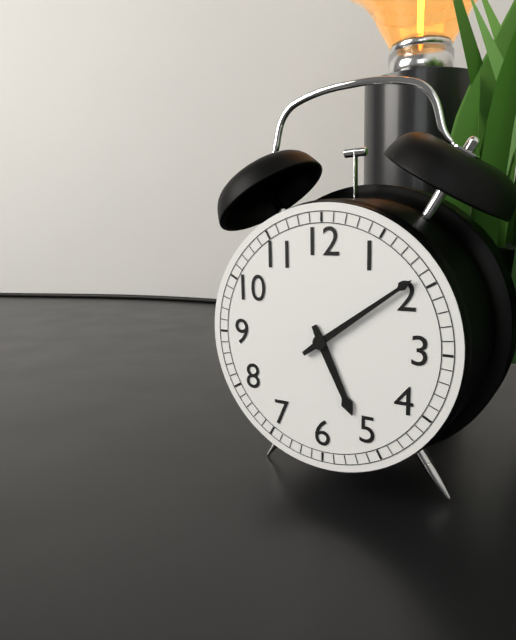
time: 5:09
